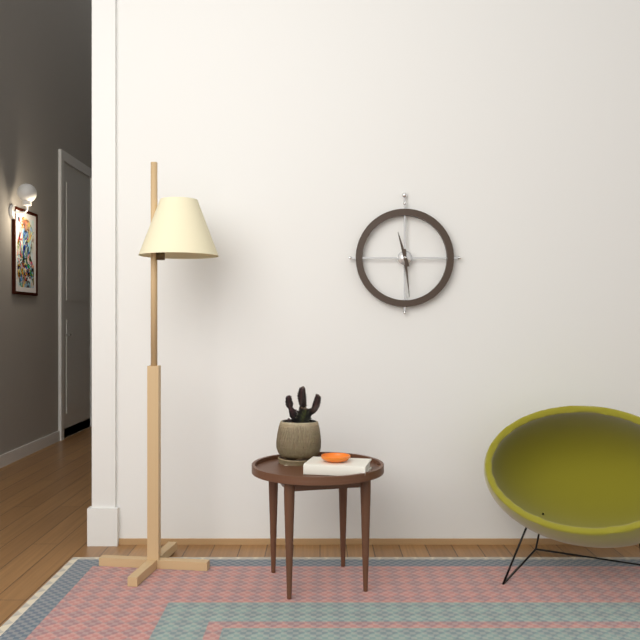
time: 11:29
